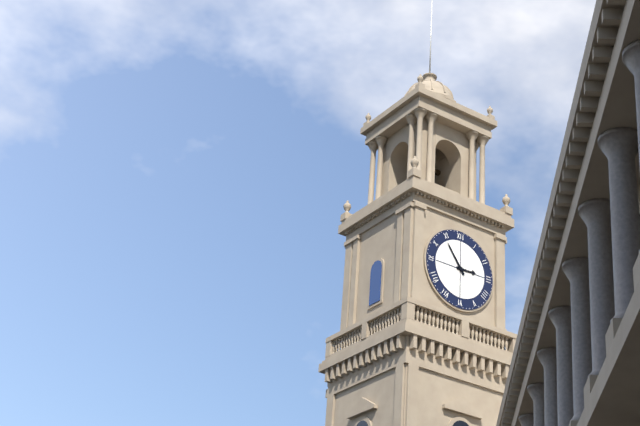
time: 2:54
